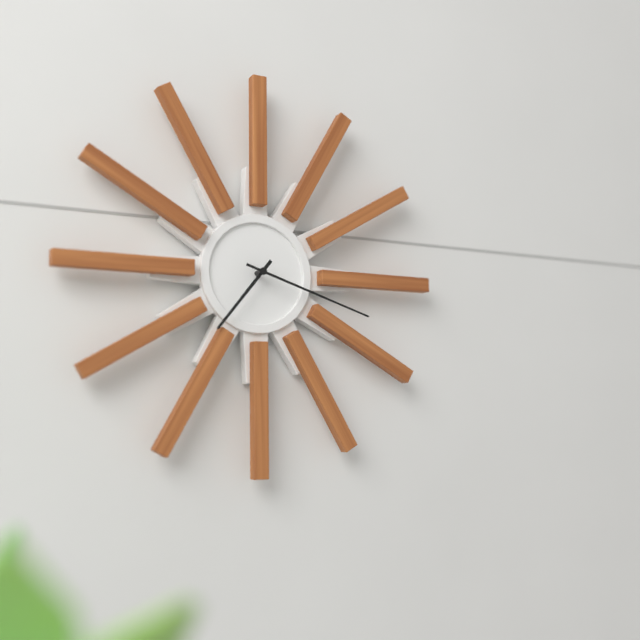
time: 7:18
